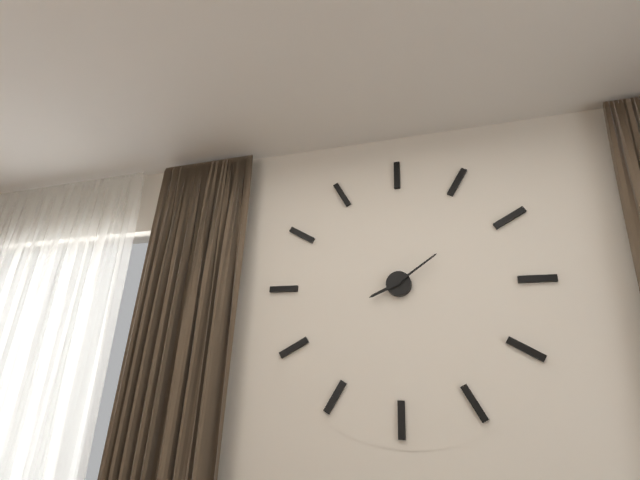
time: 8:09
